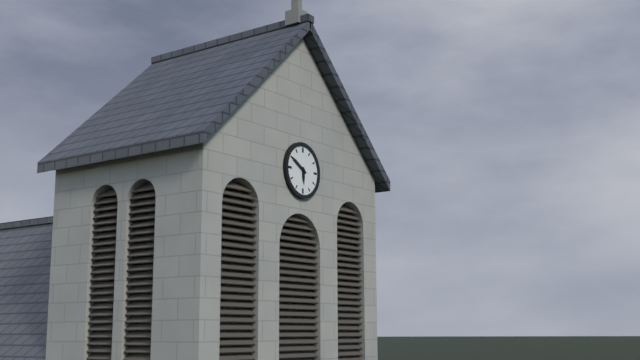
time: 5:50
